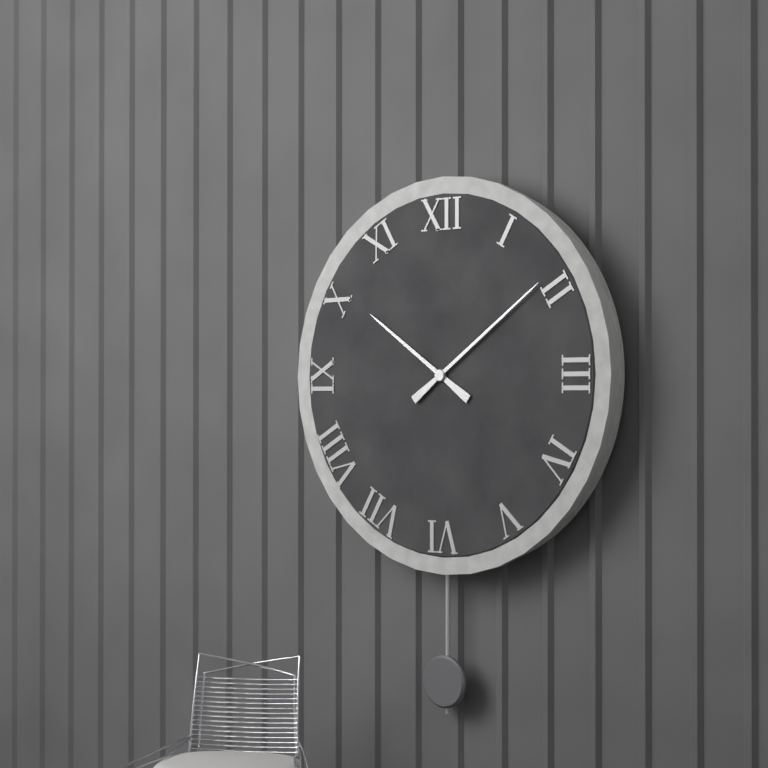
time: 10:09
